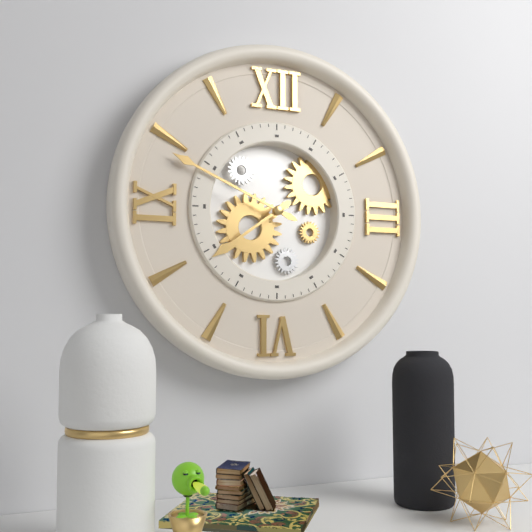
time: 7:49
